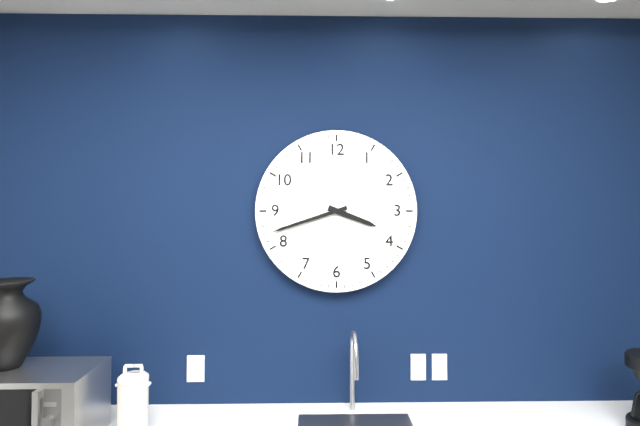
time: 3:42
